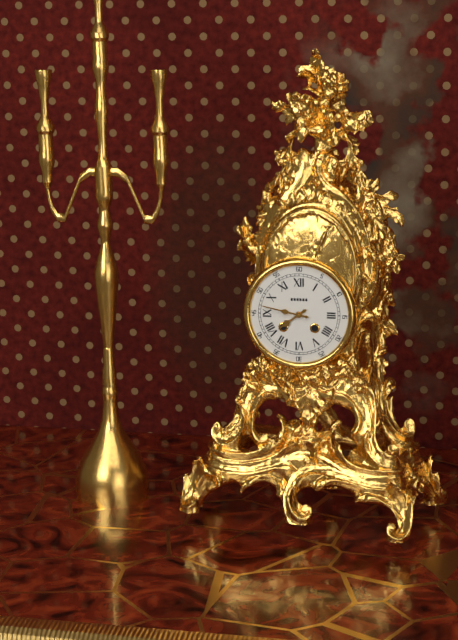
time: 7:47
